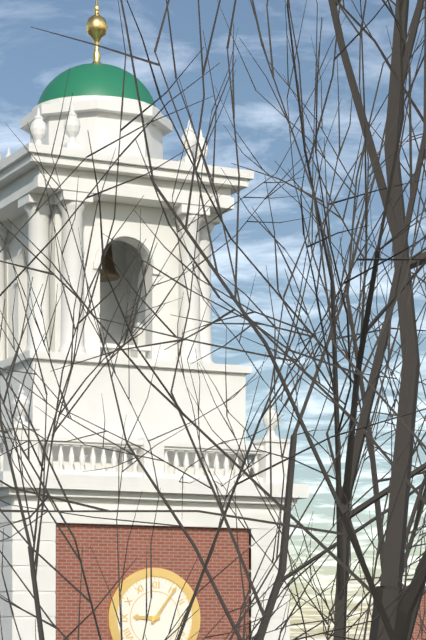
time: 9:06
